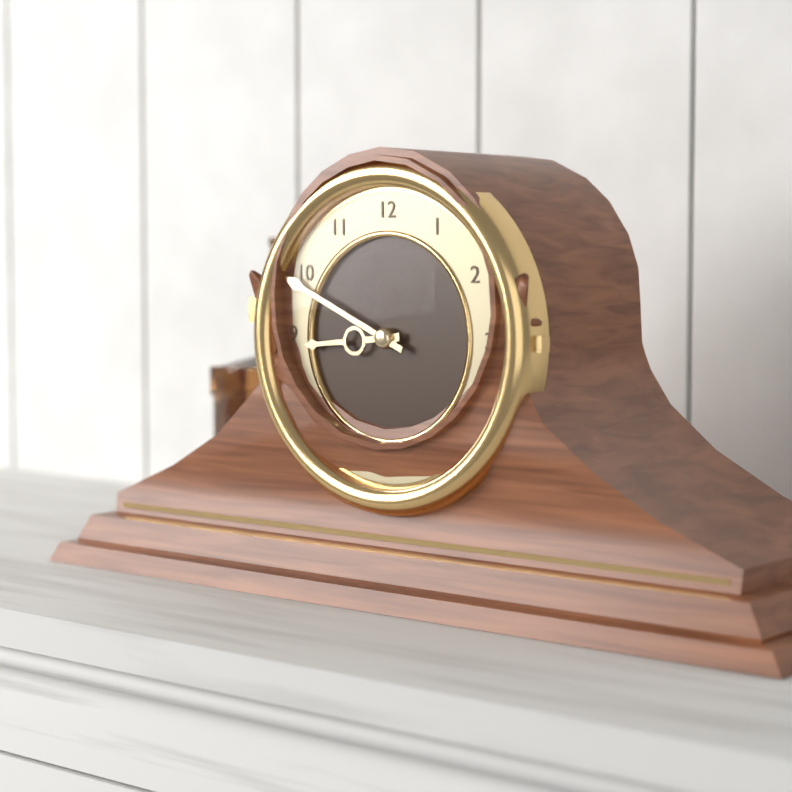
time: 8:49
